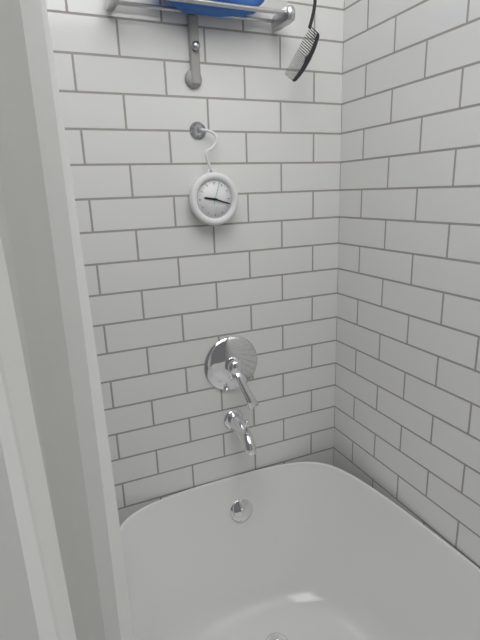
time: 9:18
